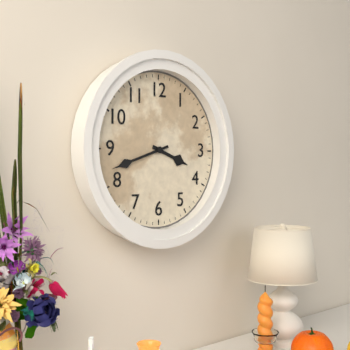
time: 3:42
